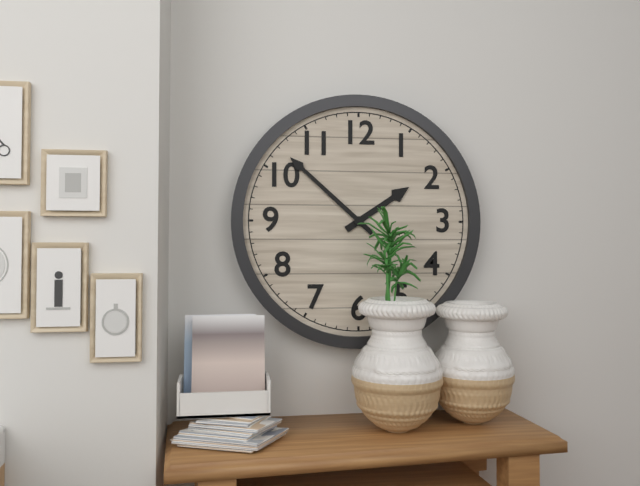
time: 1:52
